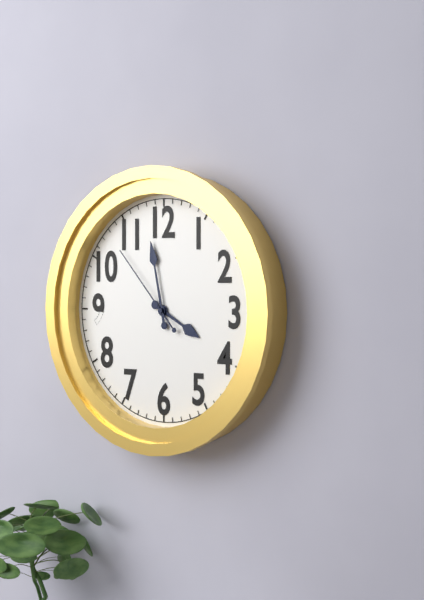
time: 3:58:53
